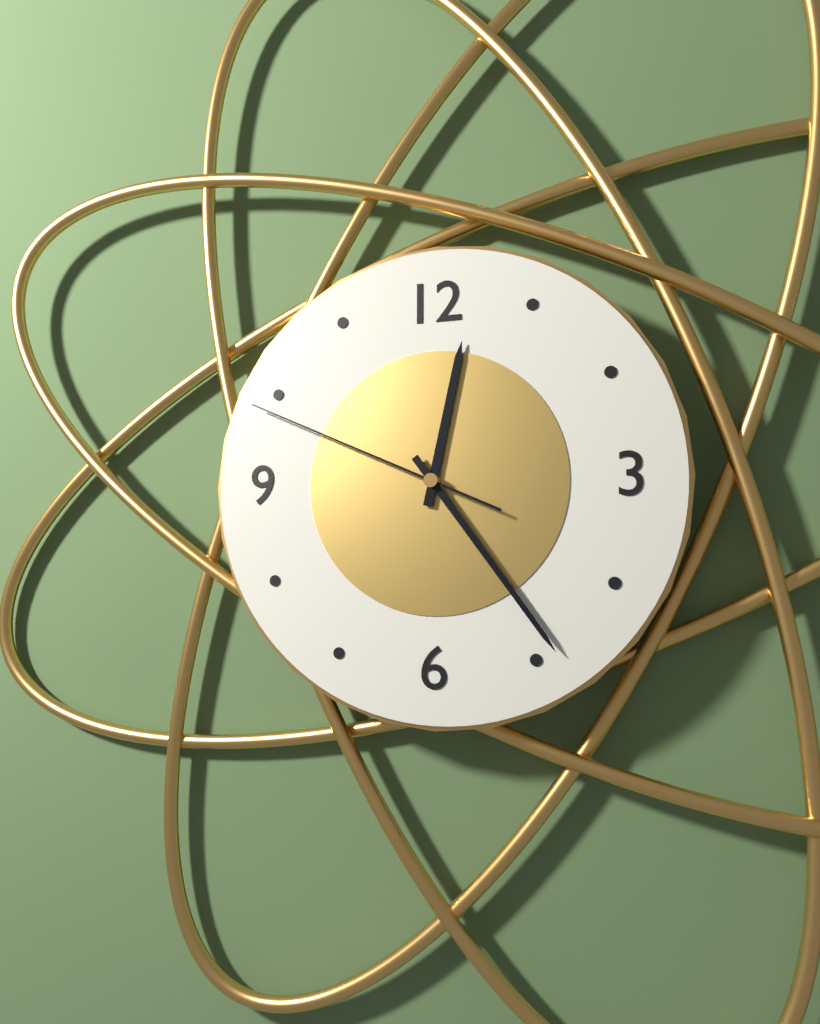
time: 12:24:49
